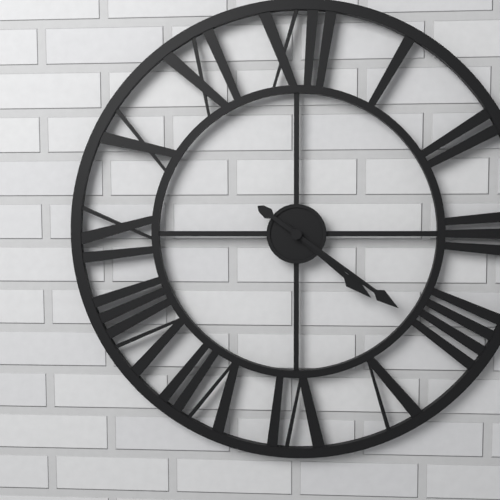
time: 4:21
